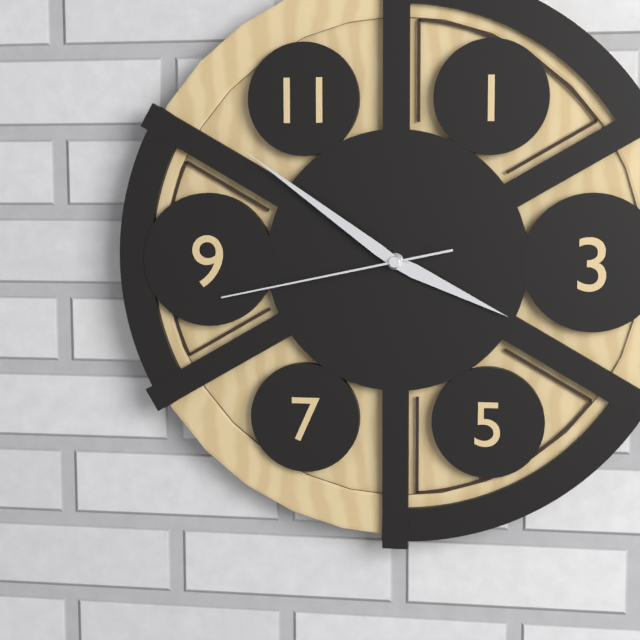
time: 3:51:43
